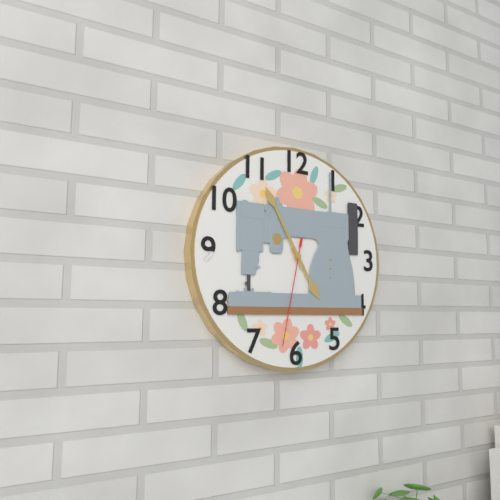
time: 4:55:32
